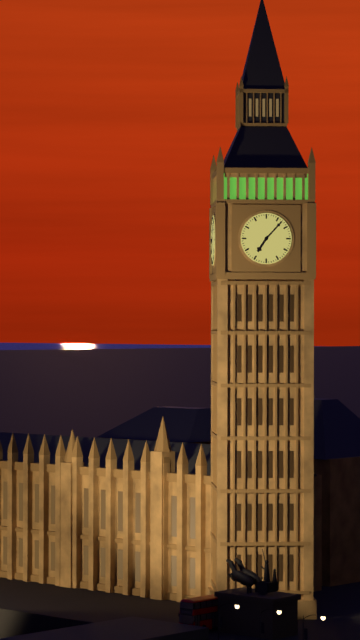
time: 7:07
